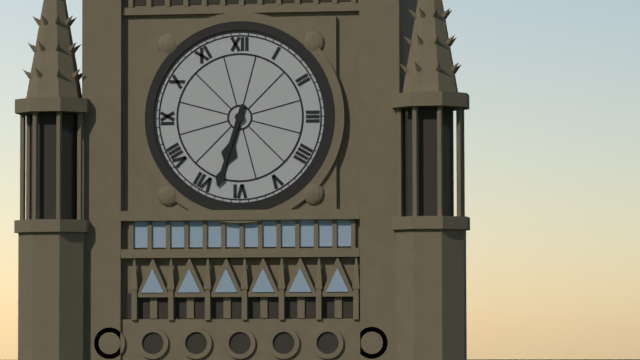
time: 6:33
